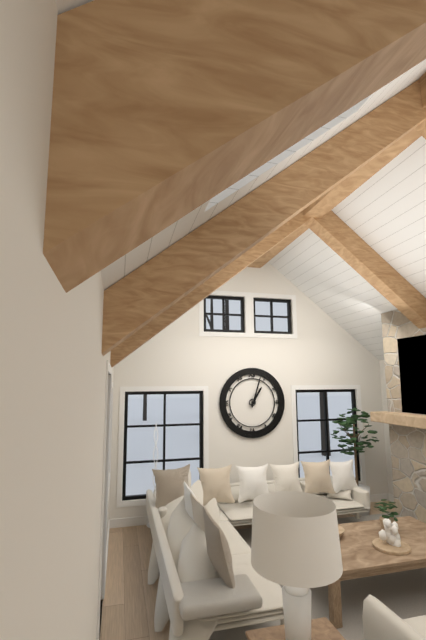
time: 1:03
